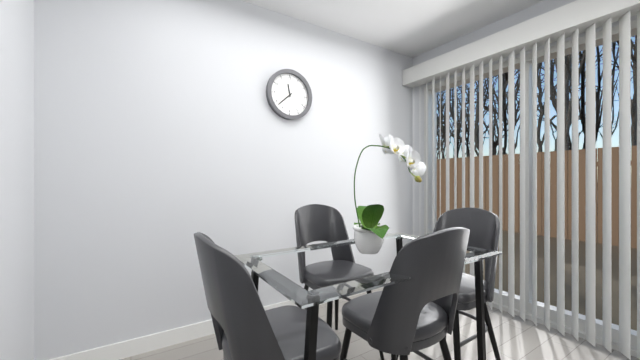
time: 11:38
